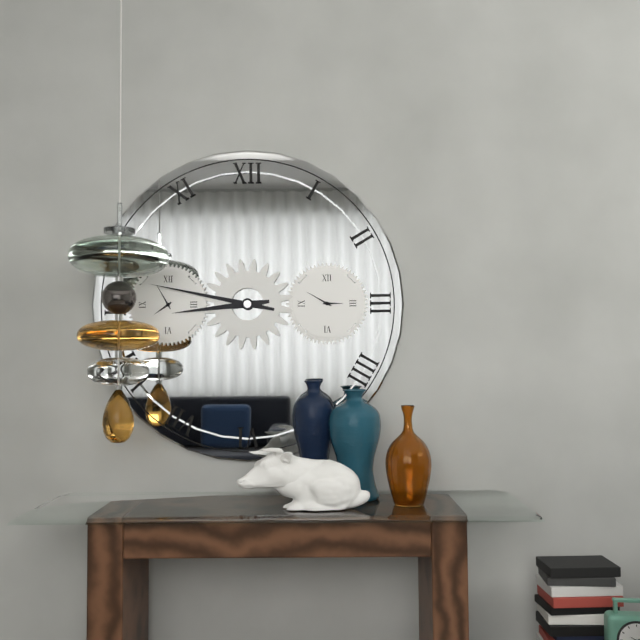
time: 8:47
